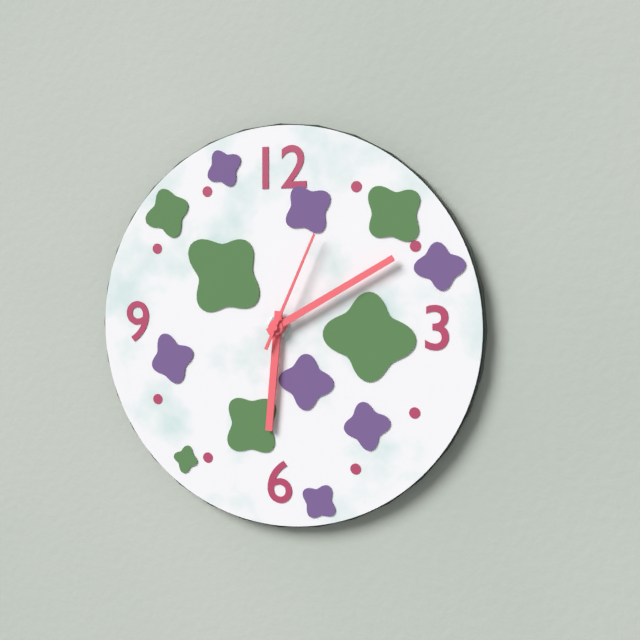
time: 6:10:04
